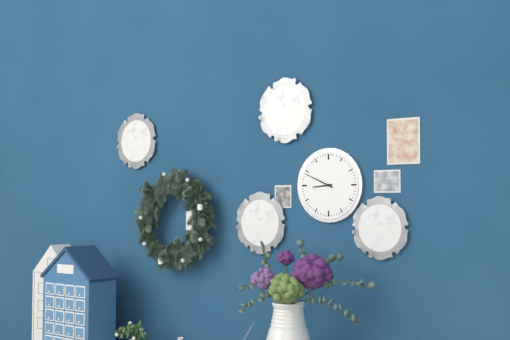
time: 8:49
